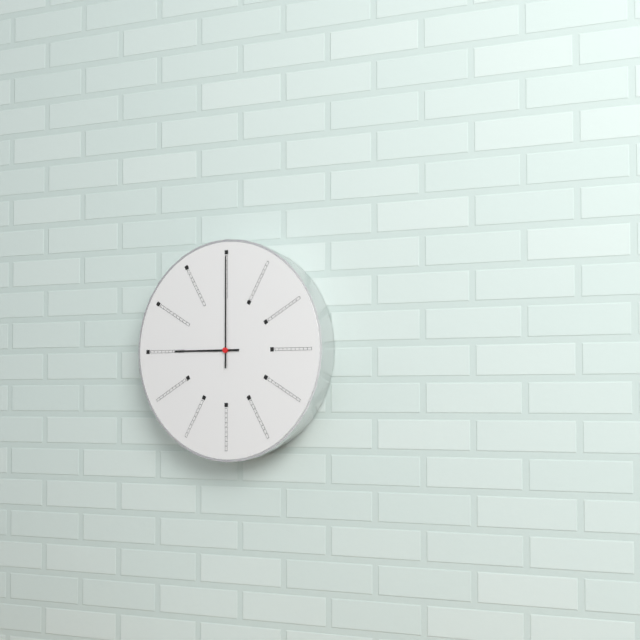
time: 9:00
